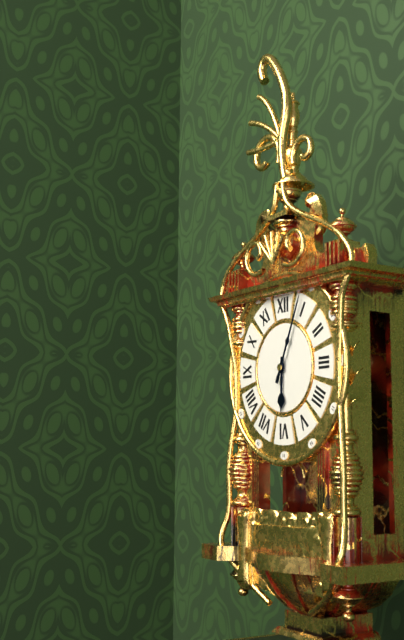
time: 6:04
